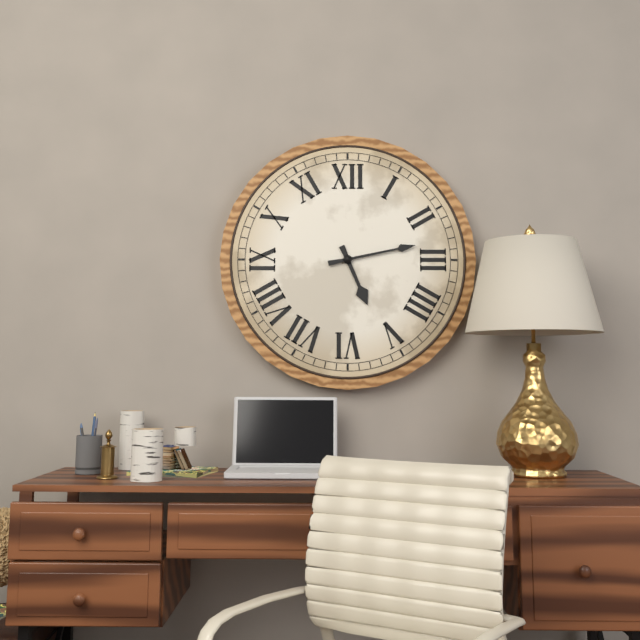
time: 5:13
